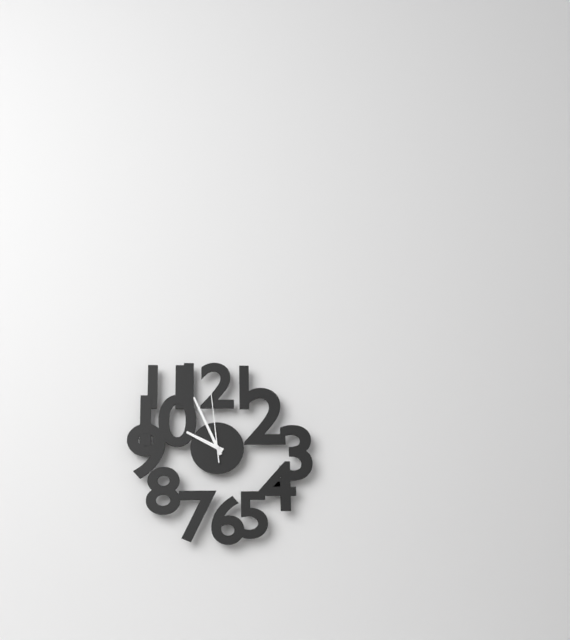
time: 9:56:59
